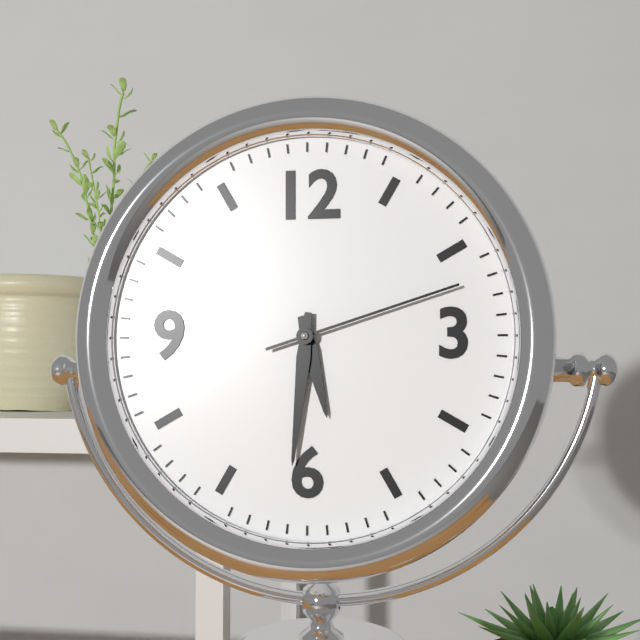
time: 5:31:12
